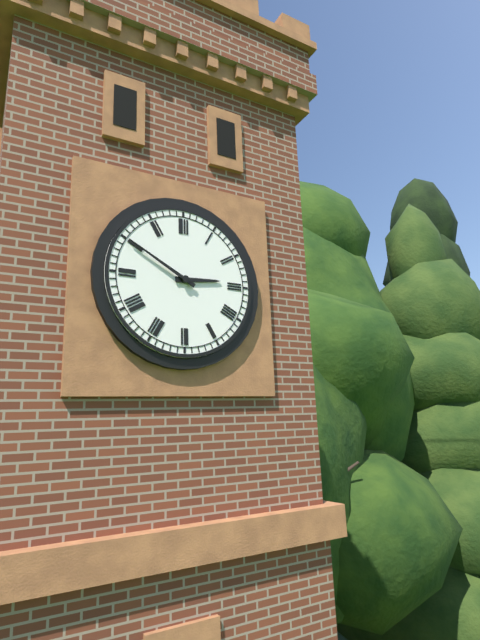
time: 2:50
